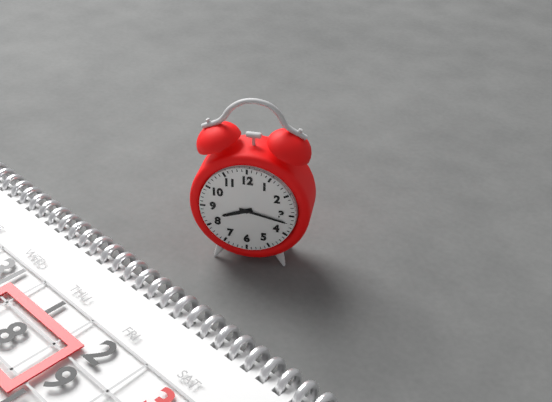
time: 8:17
